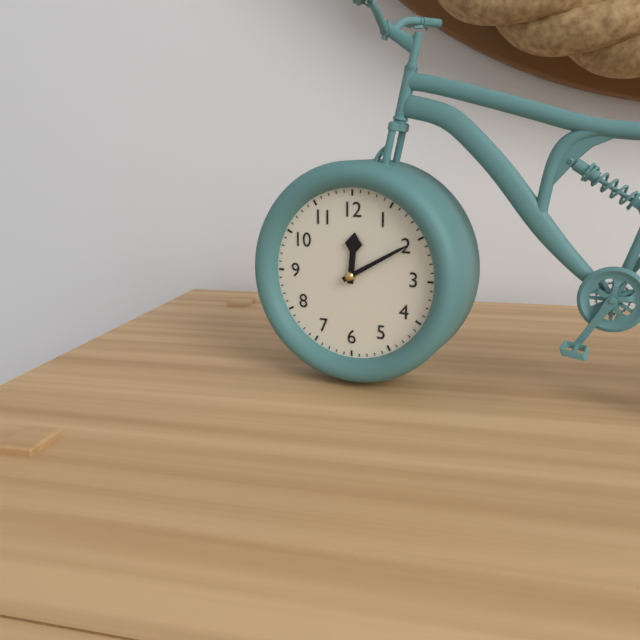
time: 12:10
